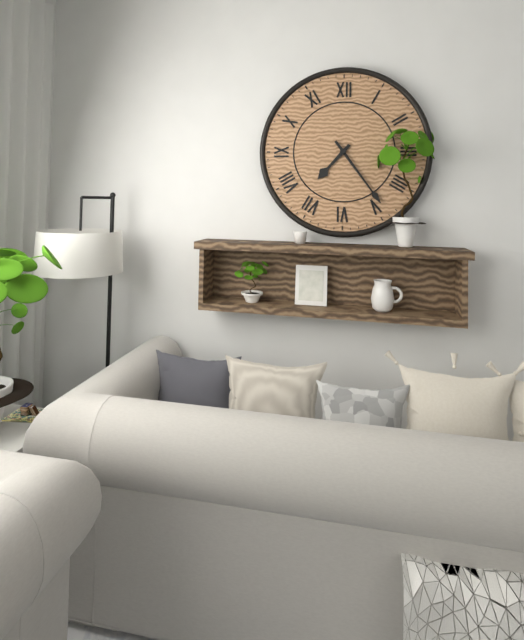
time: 7:24
